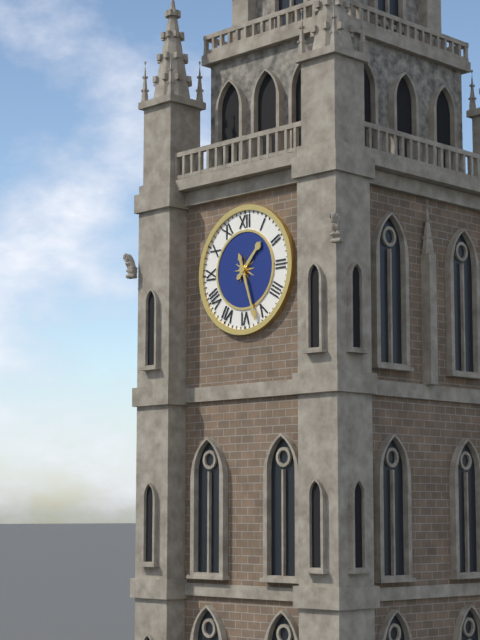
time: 1:27
